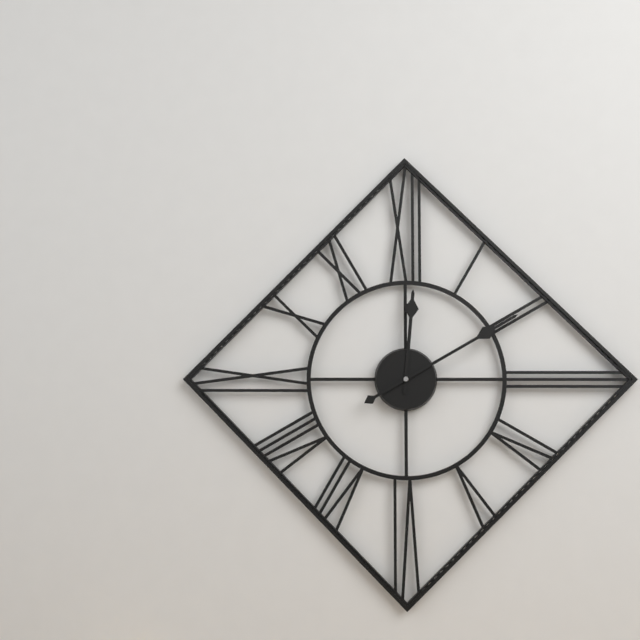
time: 12:10
